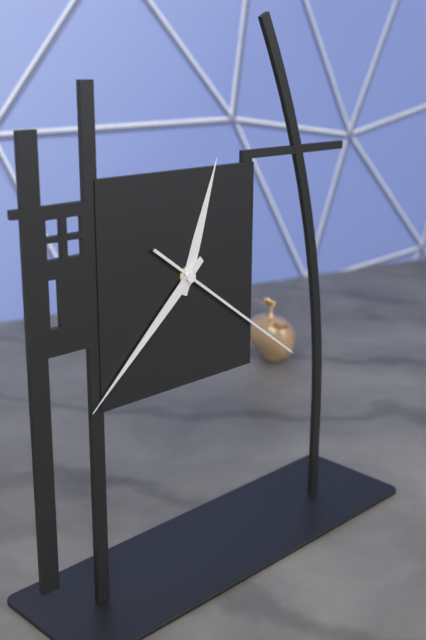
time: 12:38:21
